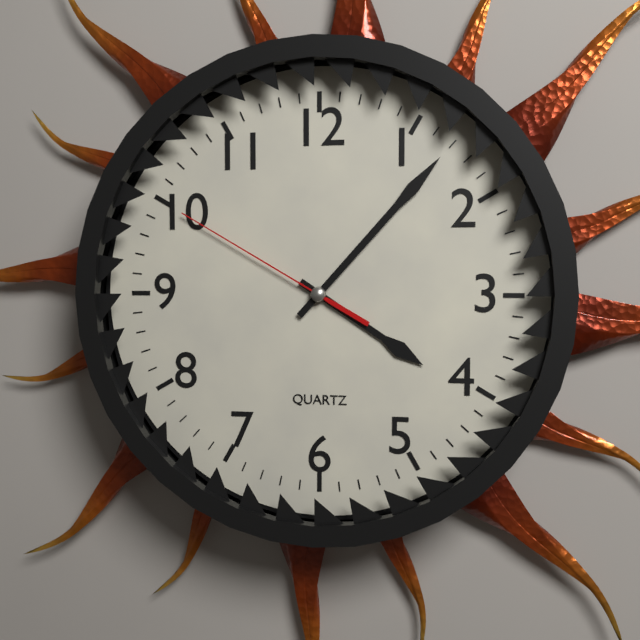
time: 4:07:50
